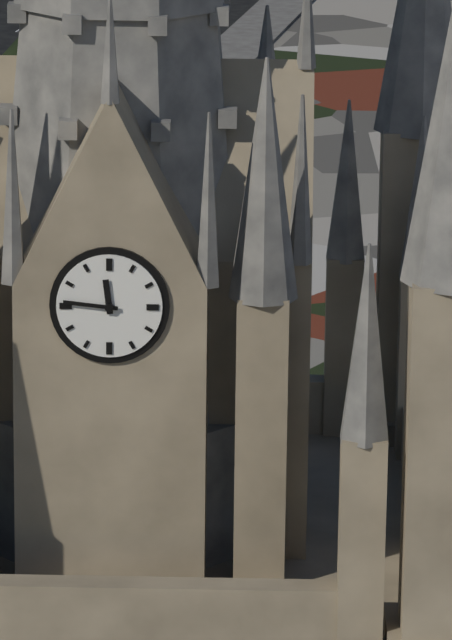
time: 11:46
